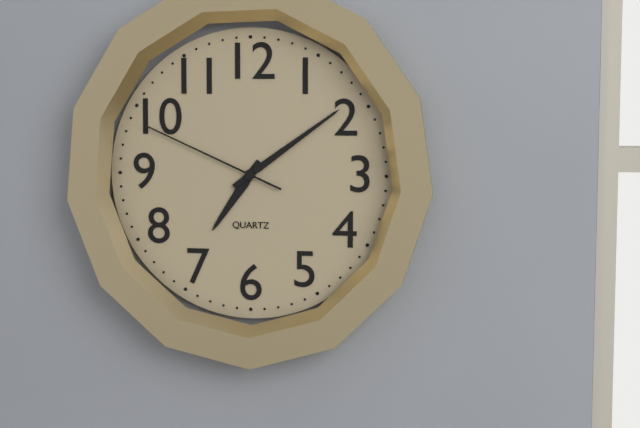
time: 7:09:49
